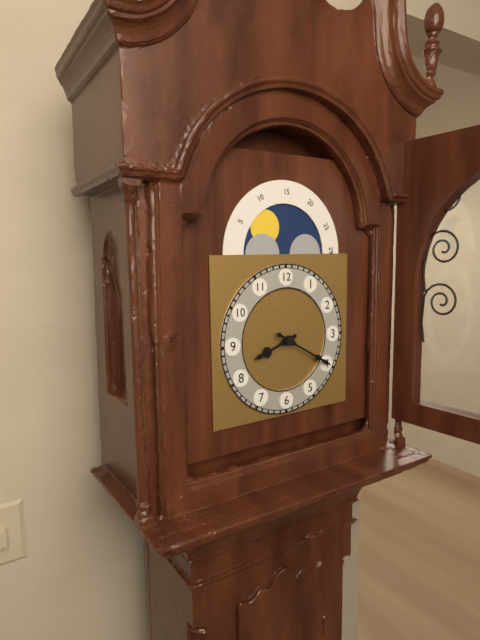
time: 8:20
